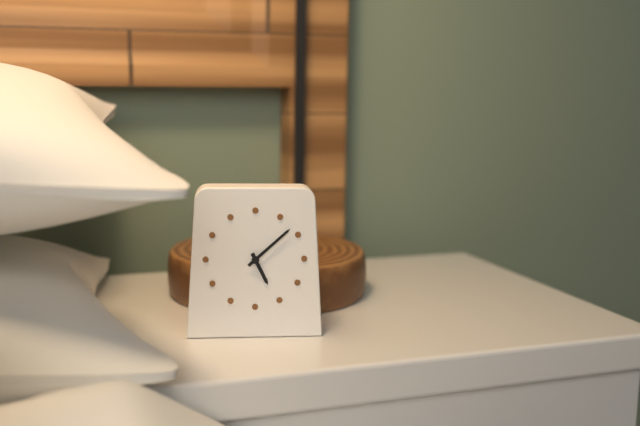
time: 5:08
